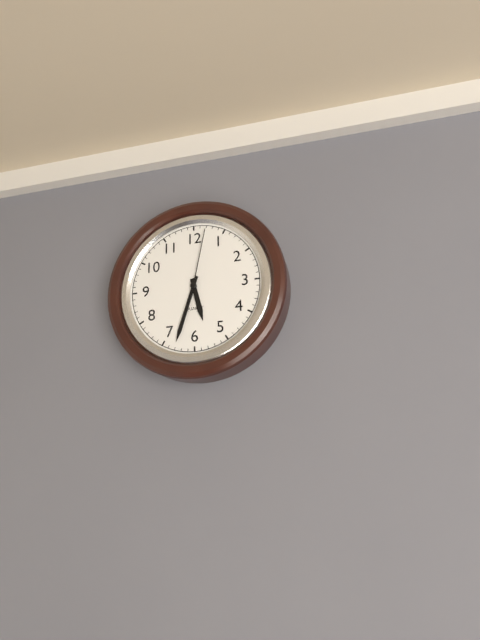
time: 5:33:02
